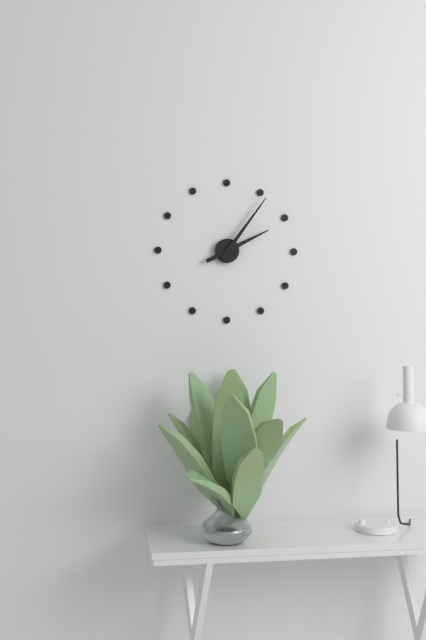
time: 2:06
